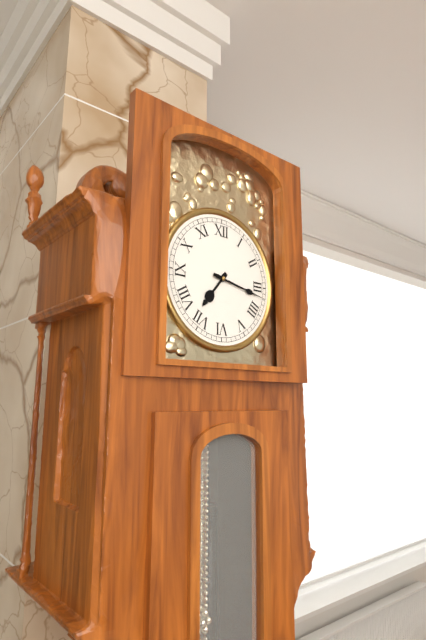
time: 7:17
